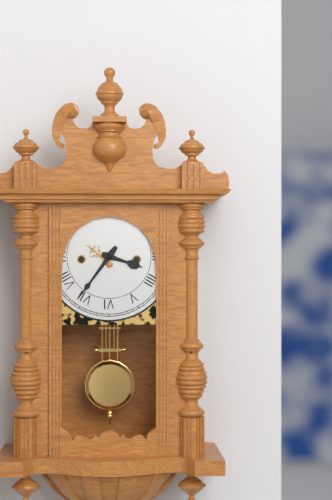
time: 3:36
